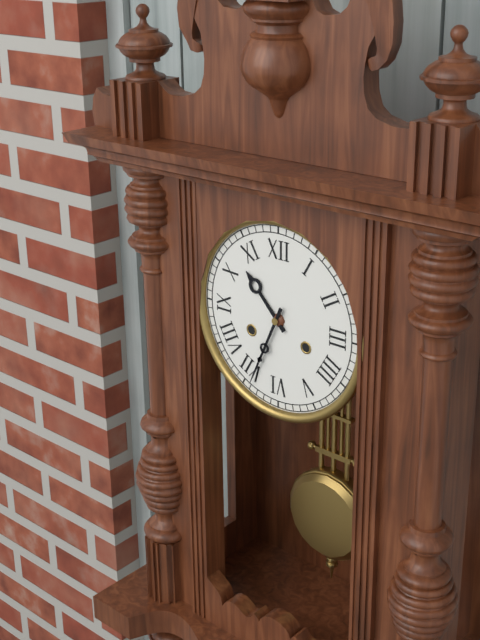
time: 10:34
